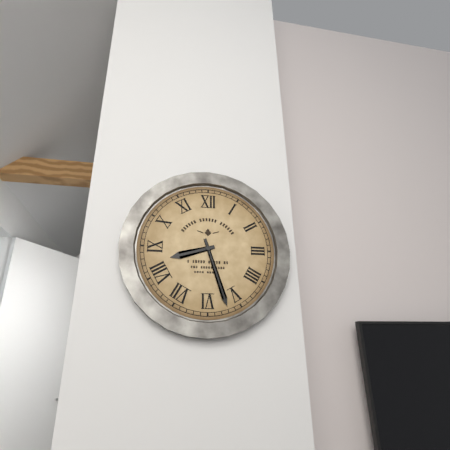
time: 8:27
